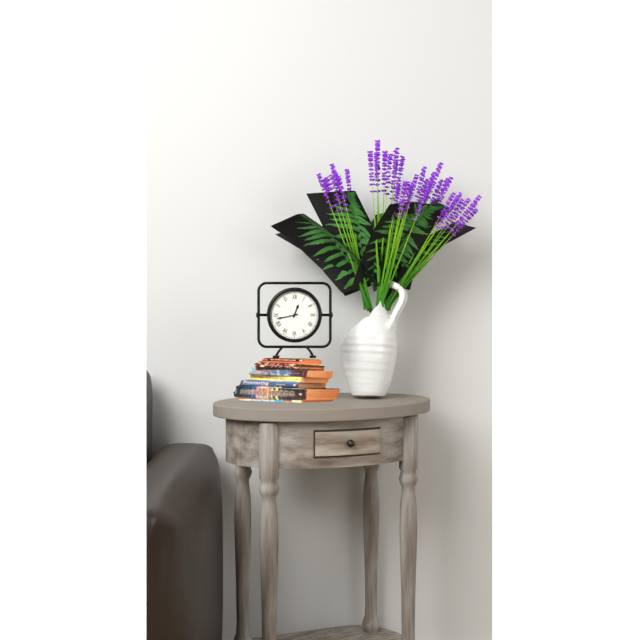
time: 12:43
